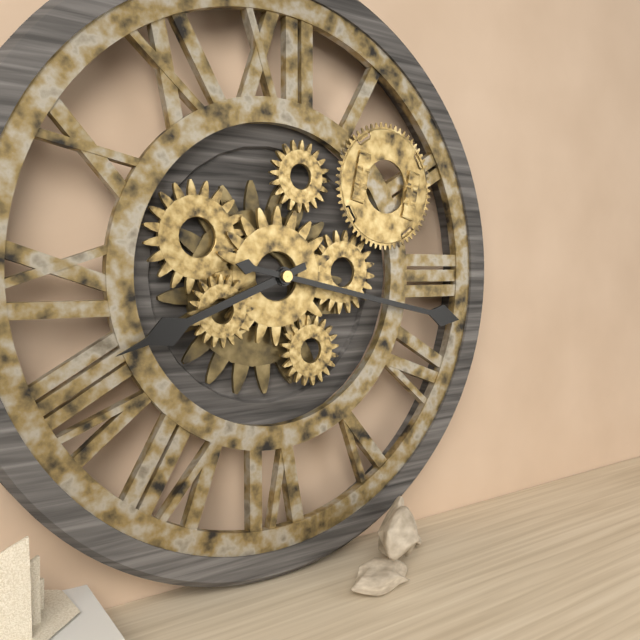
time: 8:17
